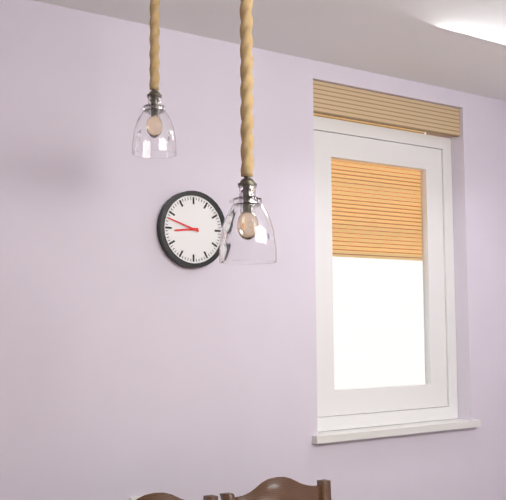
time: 8:48
